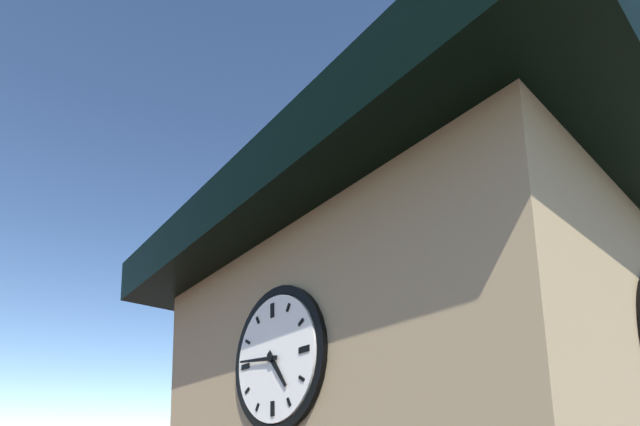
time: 4:46
